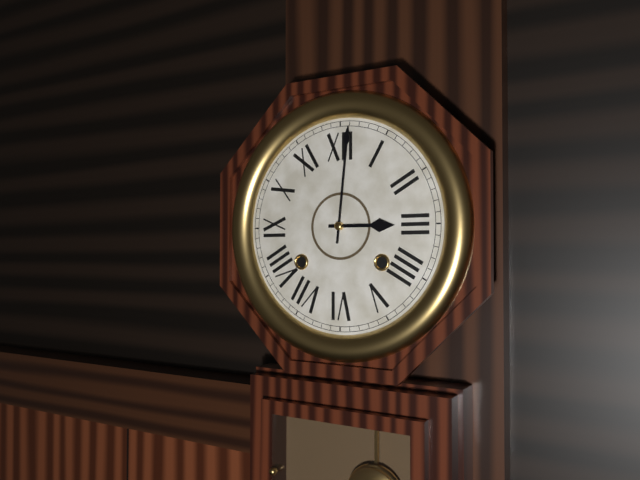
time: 3:01
